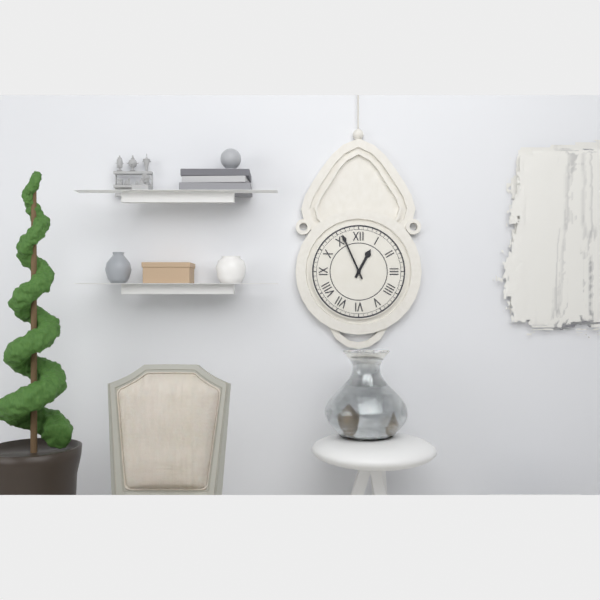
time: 12:56
